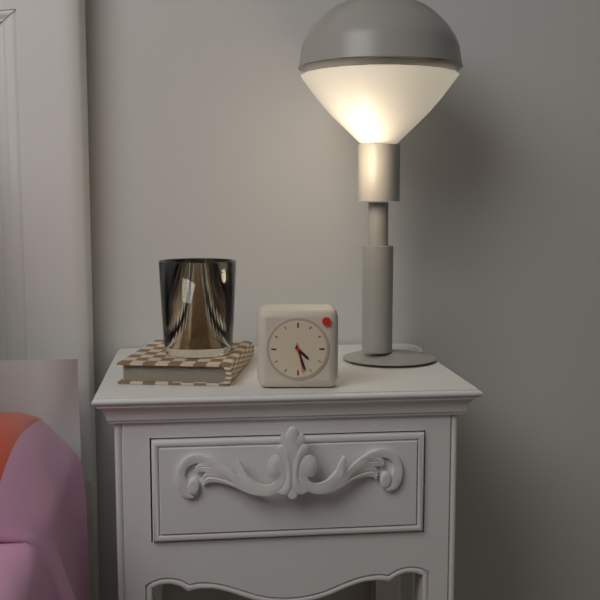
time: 4:27
